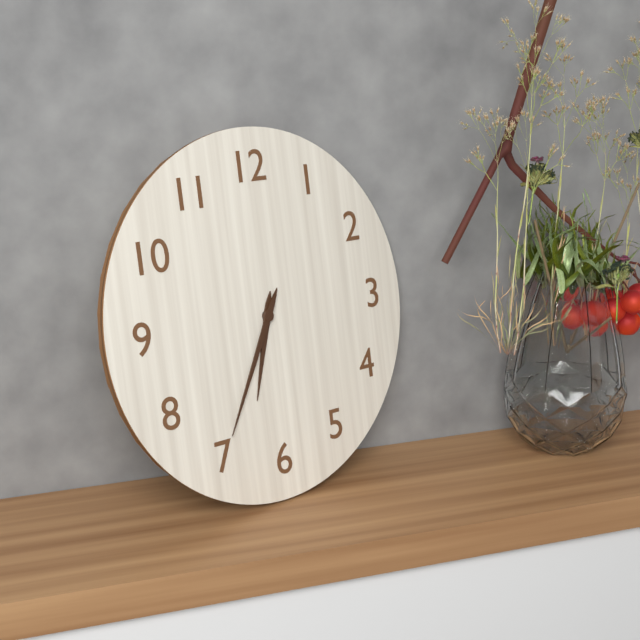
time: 6:35
